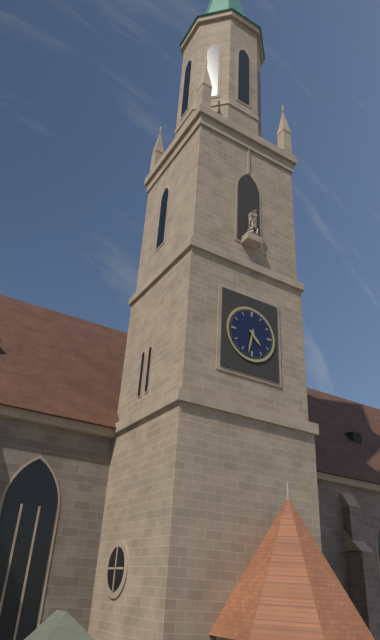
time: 4:32
